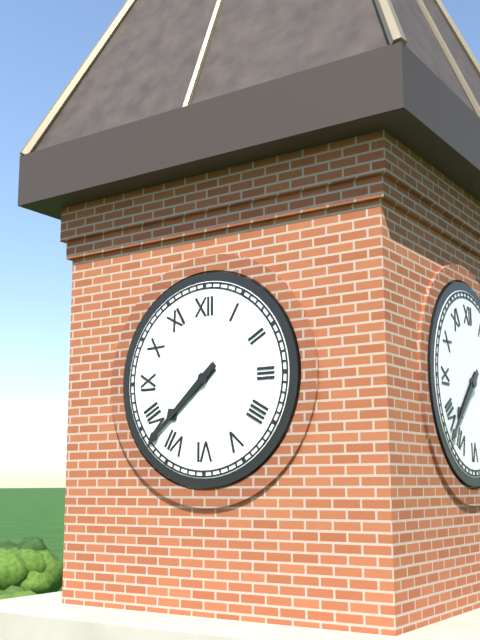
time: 7:38
